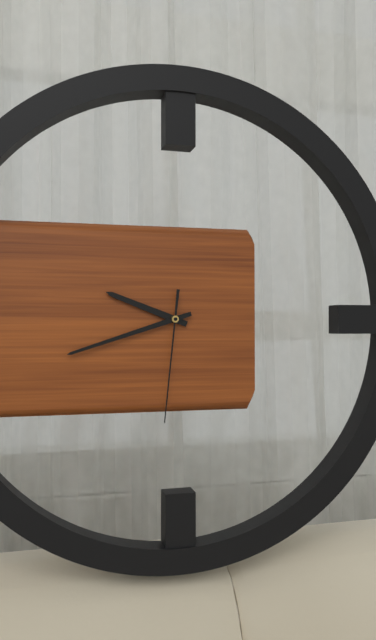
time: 9:42:31
